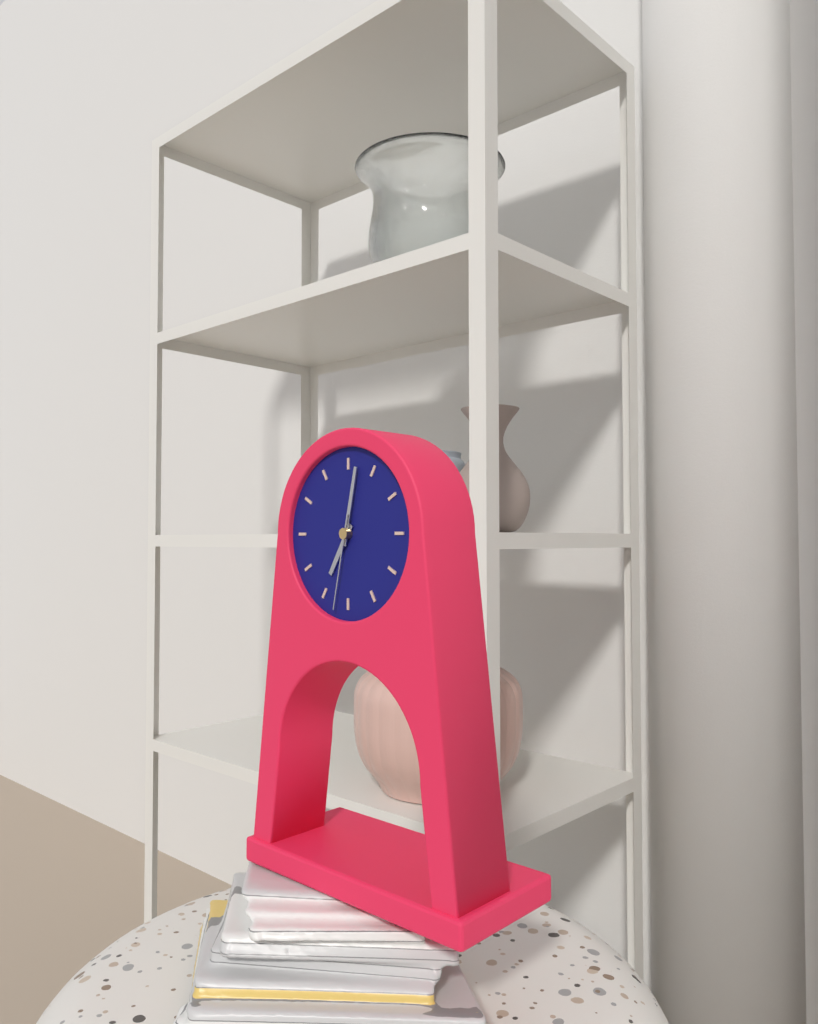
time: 7:02:32
